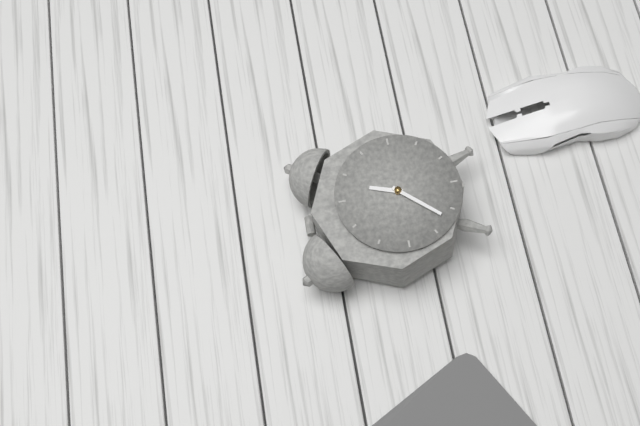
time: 12:37
